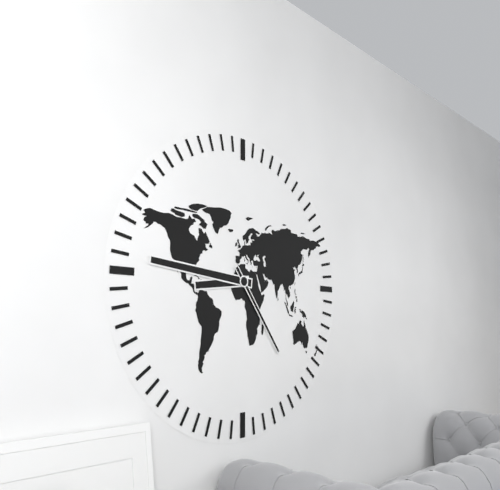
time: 8:46:24
